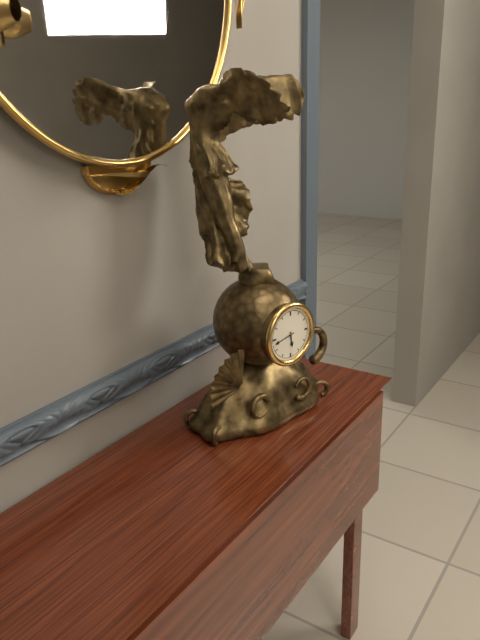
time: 5:43
